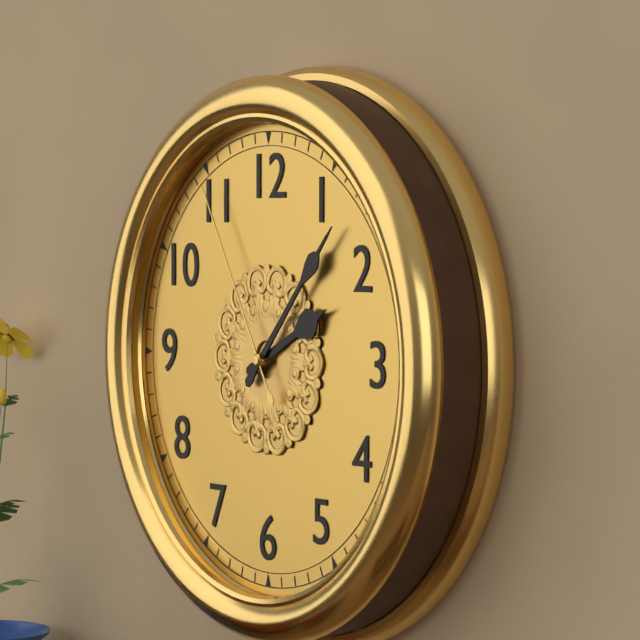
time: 2:07:55
